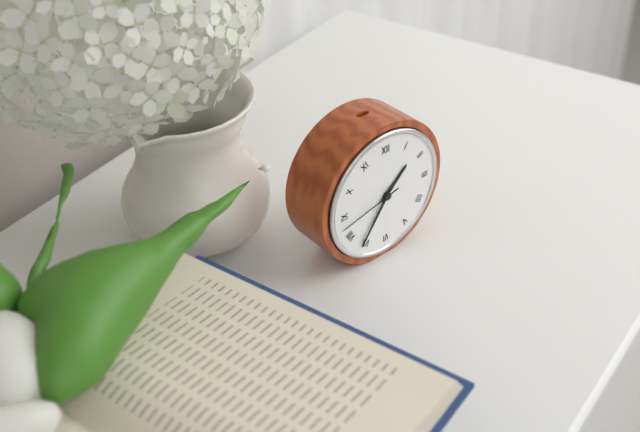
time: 1:36:43
